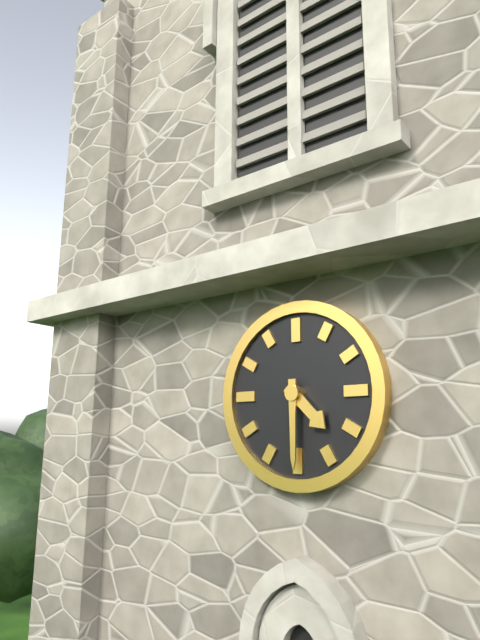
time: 4:30
